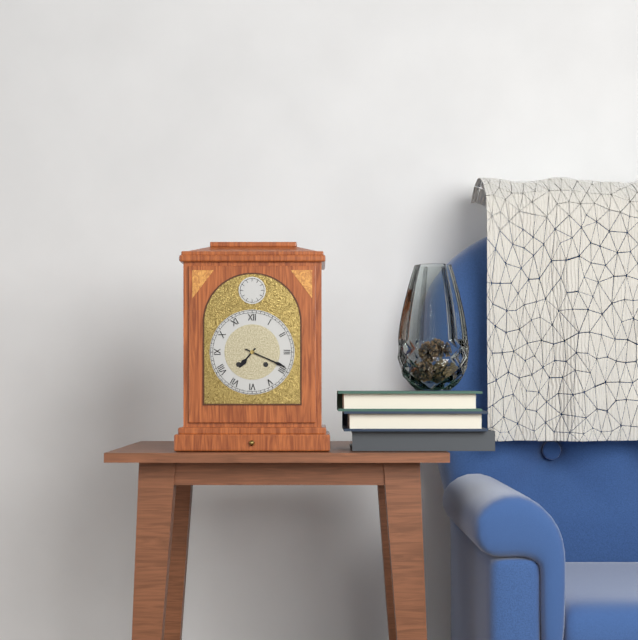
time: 7:19
